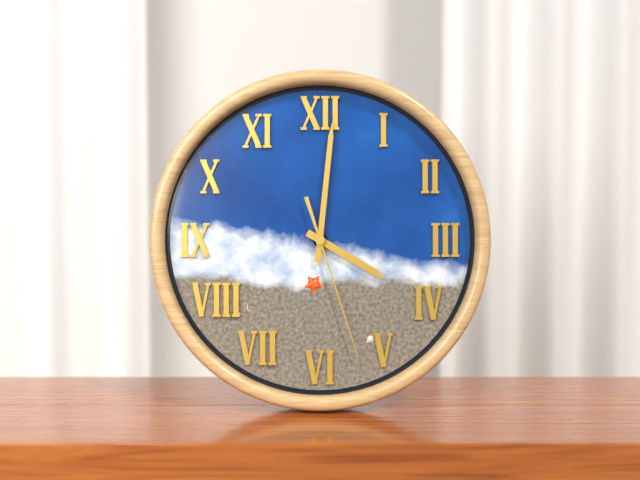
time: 4:01:27
